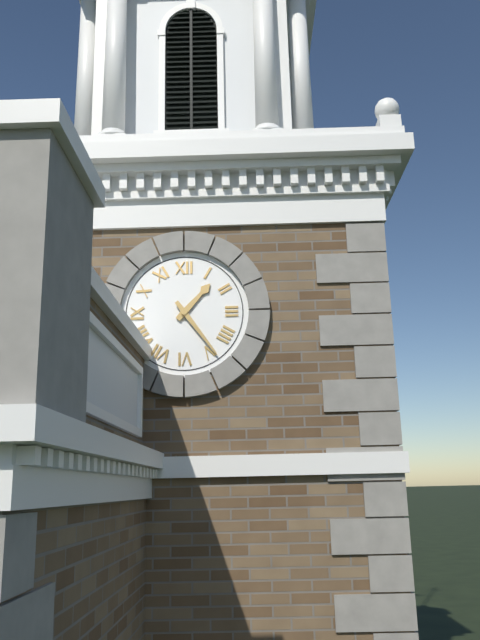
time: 1:24
